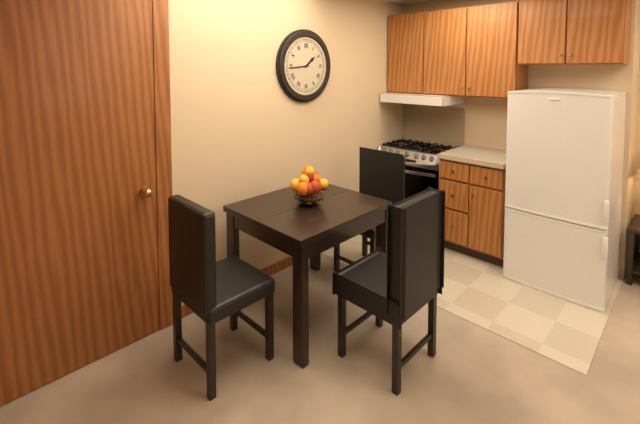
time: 1:44
